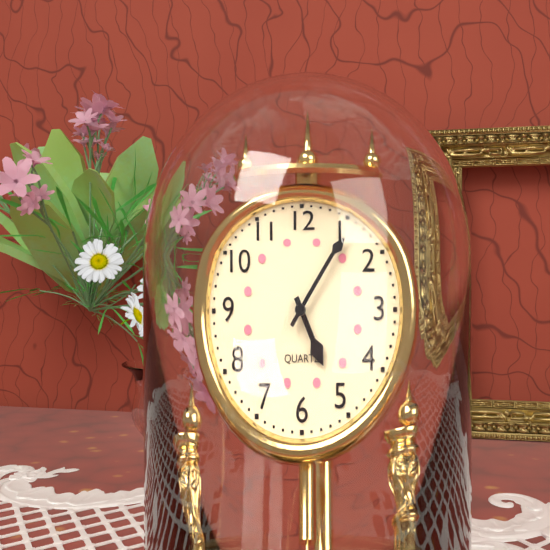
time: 5:06
